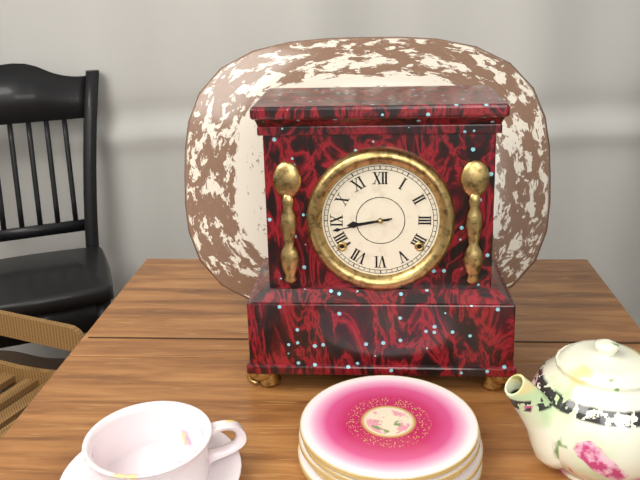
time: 8:43
